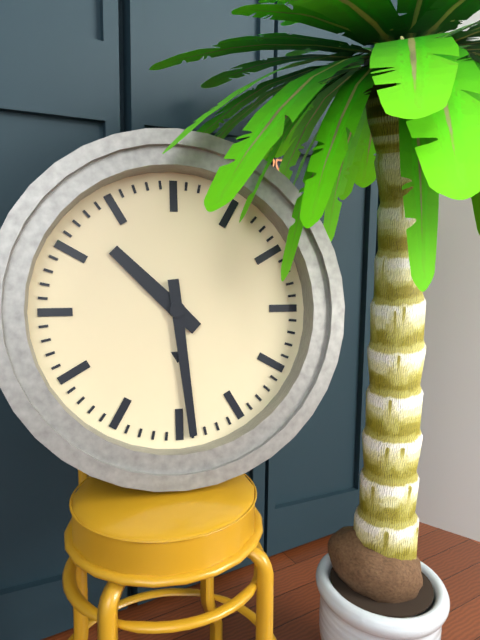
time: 10:29
